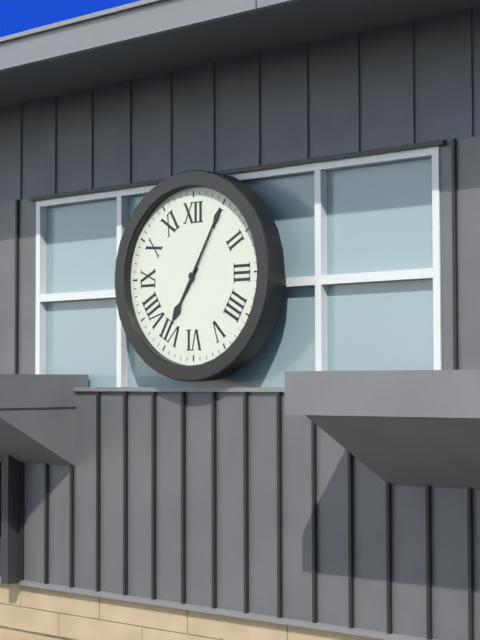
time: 7:05
